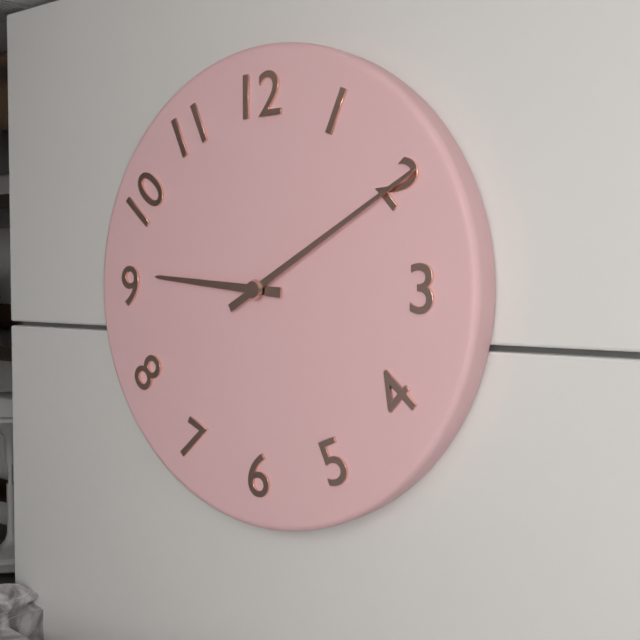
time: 9:10
